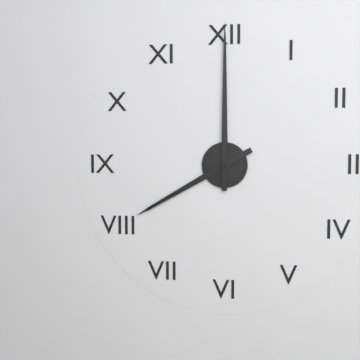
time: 8:00
